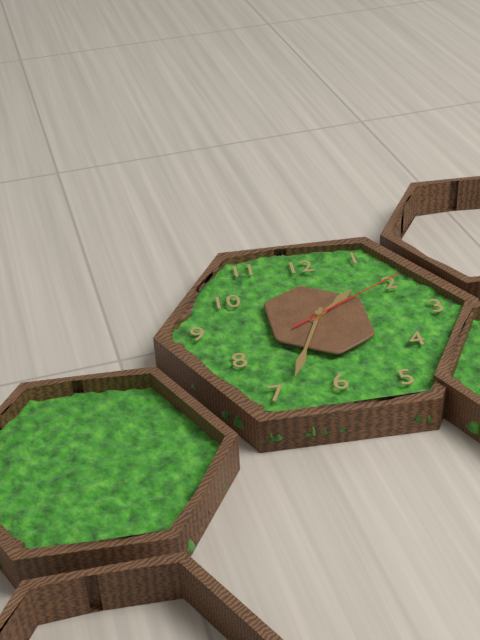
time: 1:34:10
